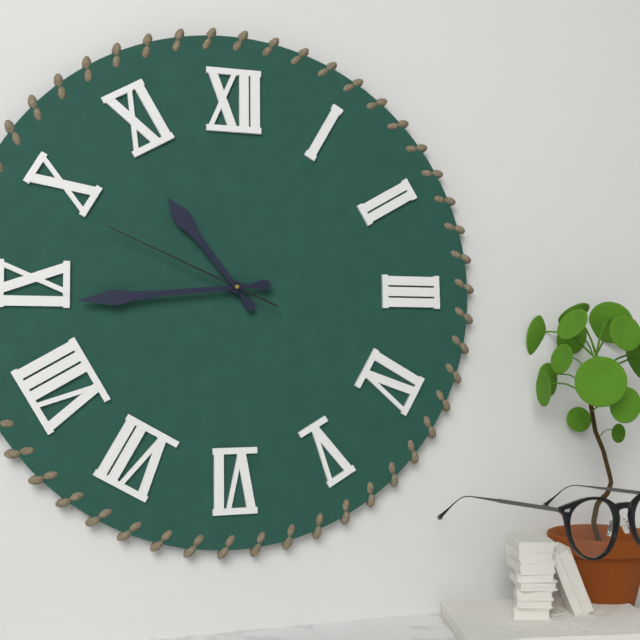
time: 10:44:49
